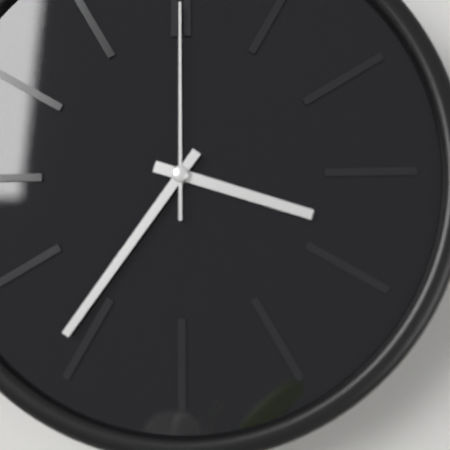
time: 3:36:00
